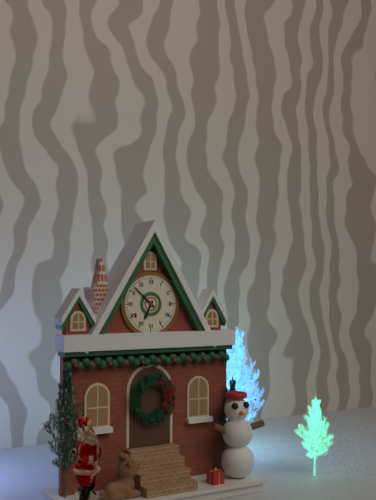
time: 6:52
